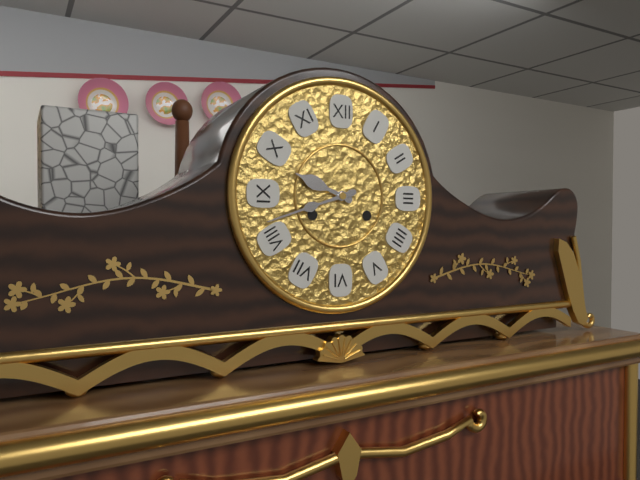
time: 9:42
